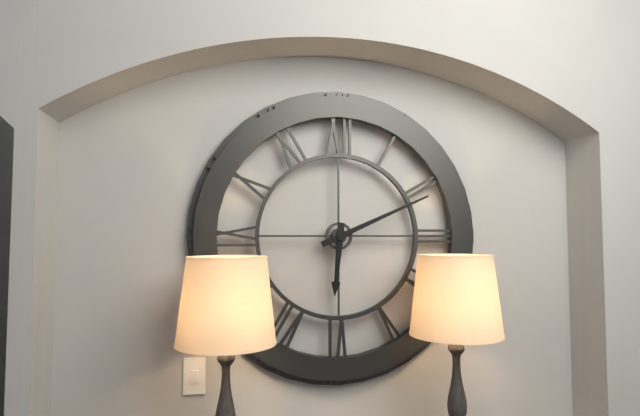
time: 6:11
